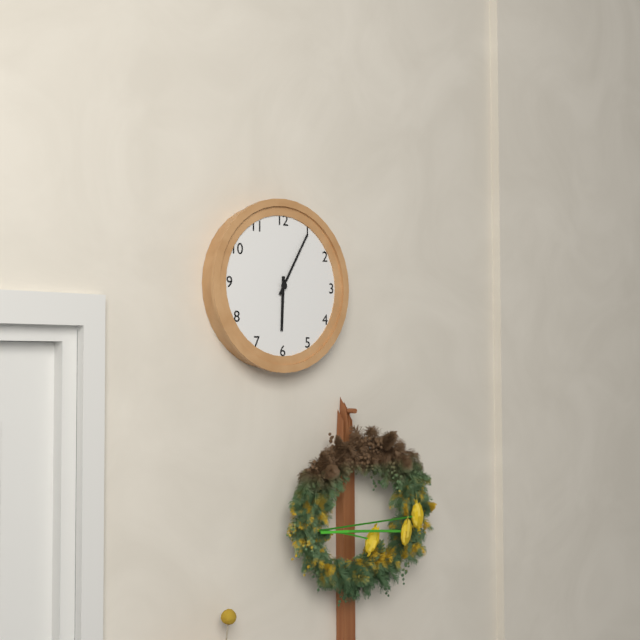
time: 6:05
